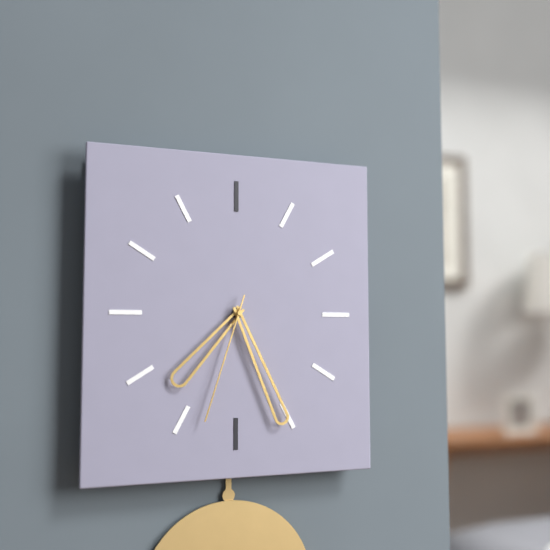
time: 7:26:33
